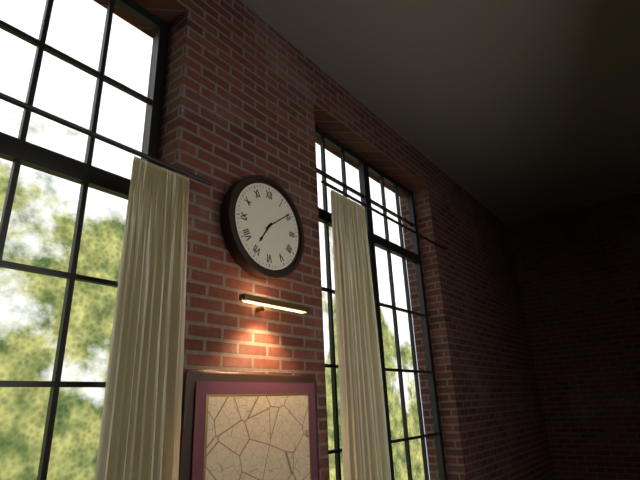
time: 7:09
